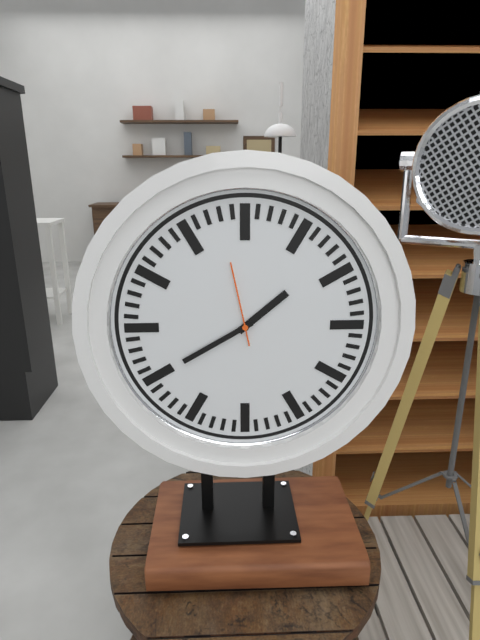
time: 1:40:58
